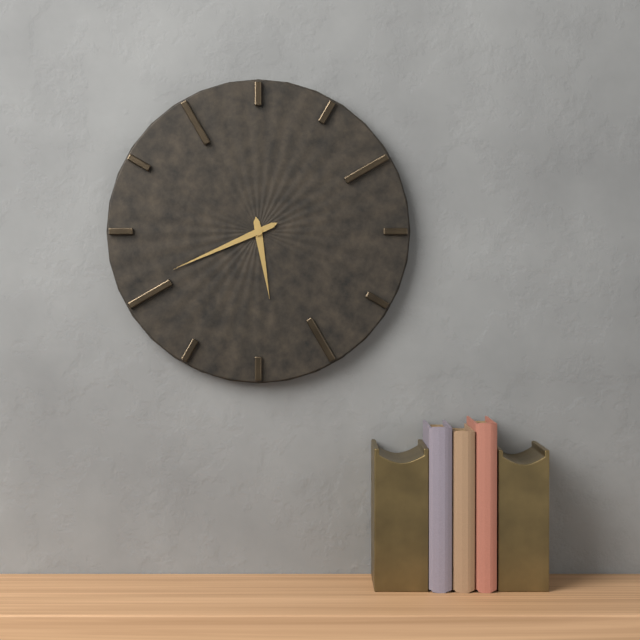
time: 5:41
